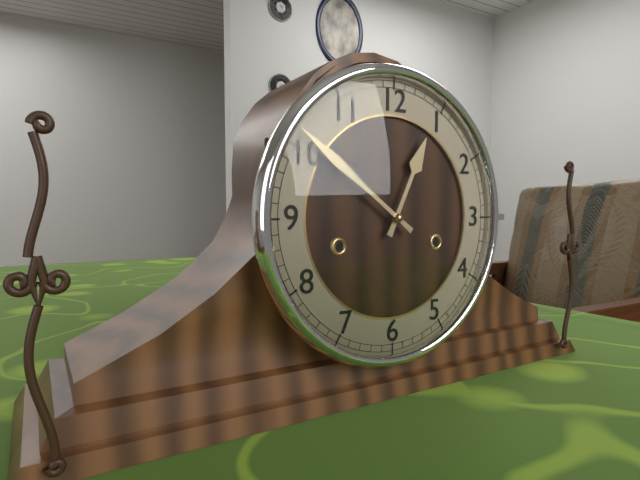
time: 12:51
